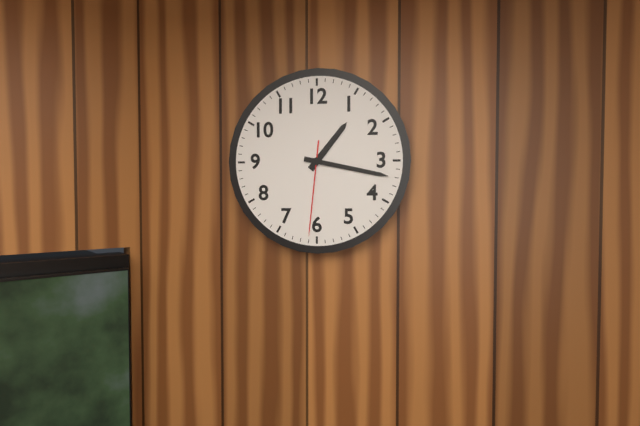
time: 1:17:31
